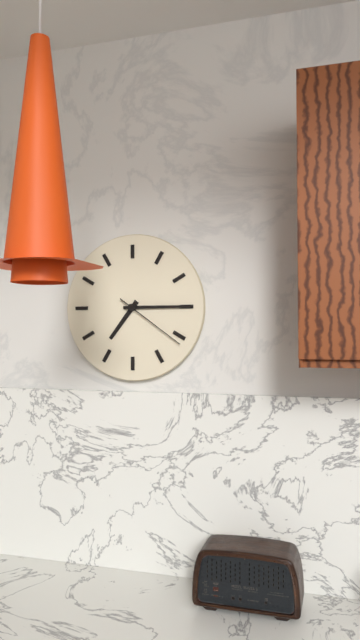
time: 7:15:21
